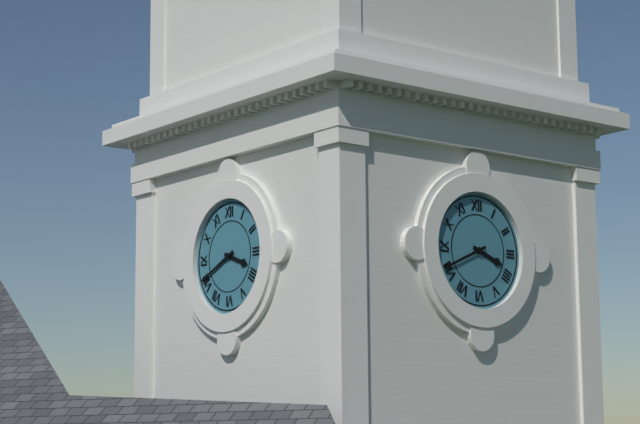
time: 3:41
